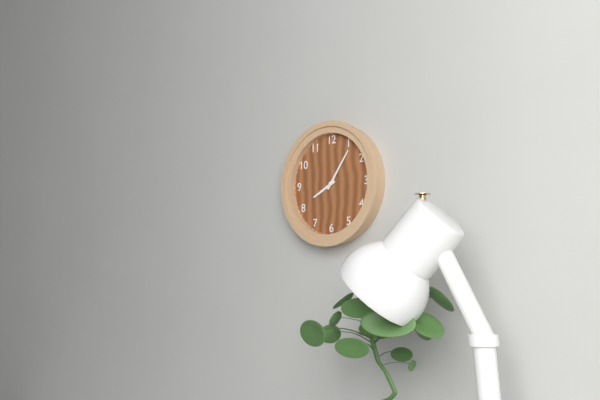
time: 8:06
